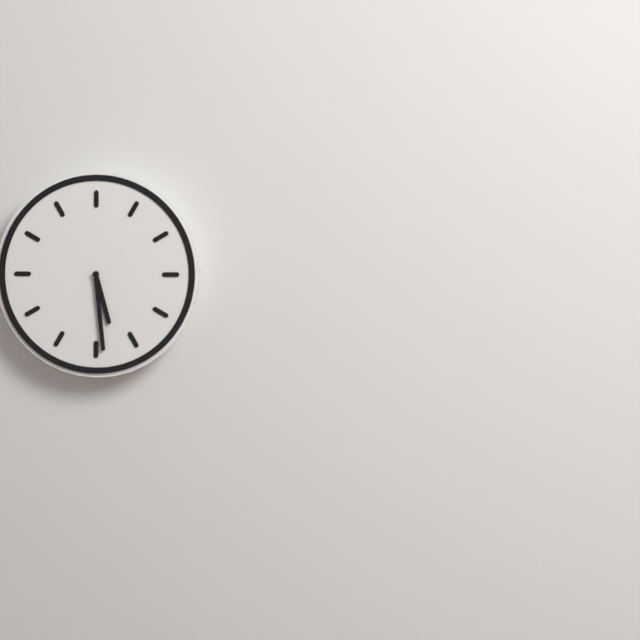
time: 5:29
